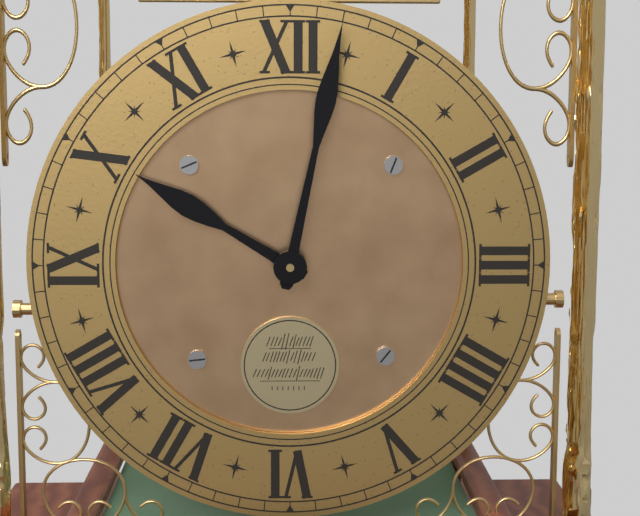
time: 10:02
